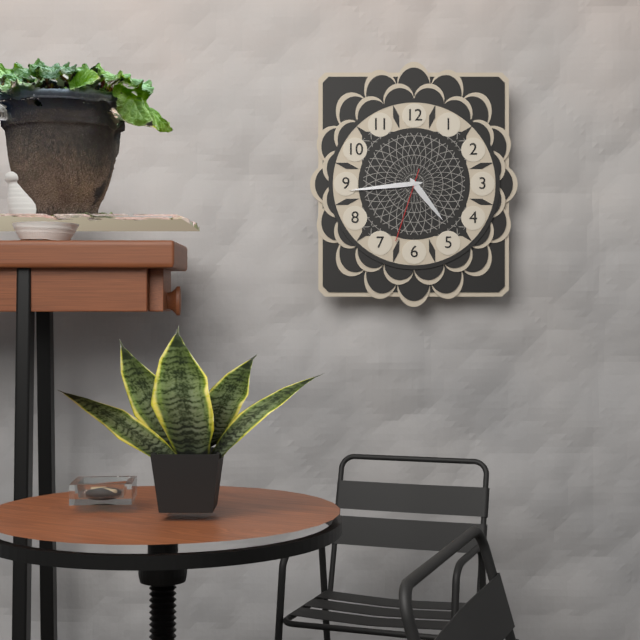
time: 4:44:33
